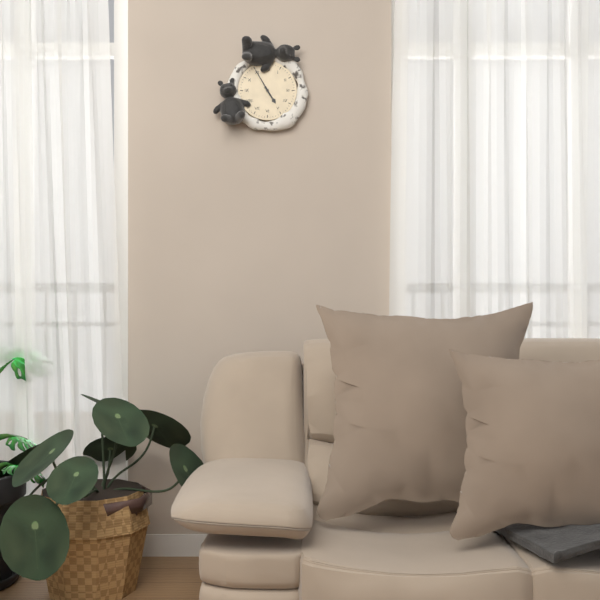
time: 4:55
